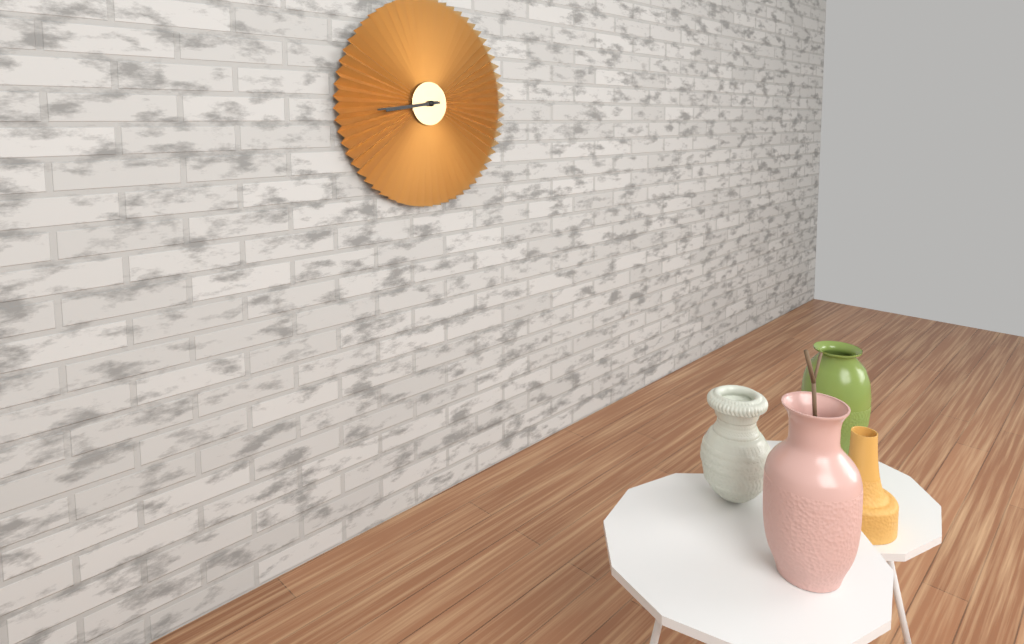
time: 8:44
